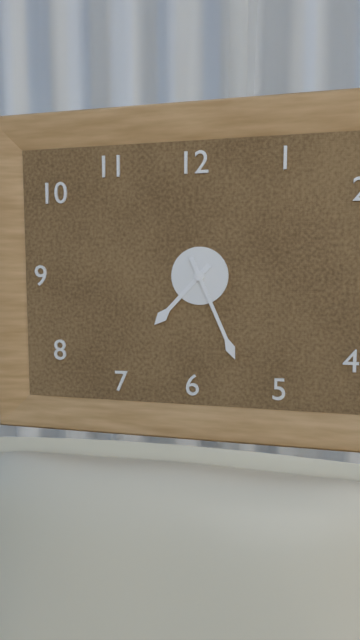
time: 7:26
